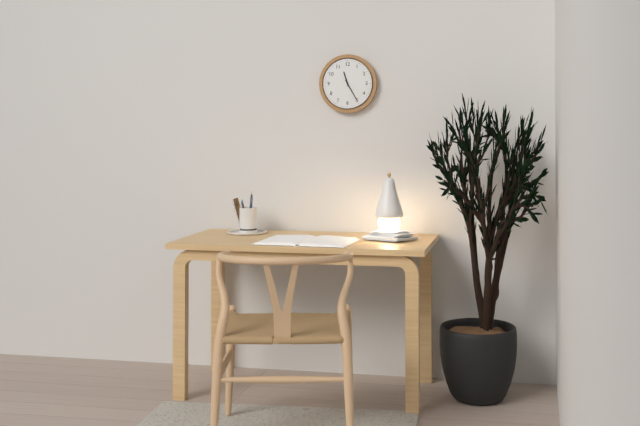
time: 11:25
